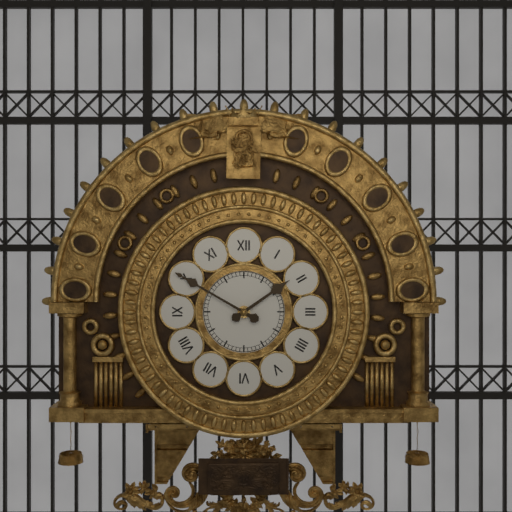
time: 1:50
